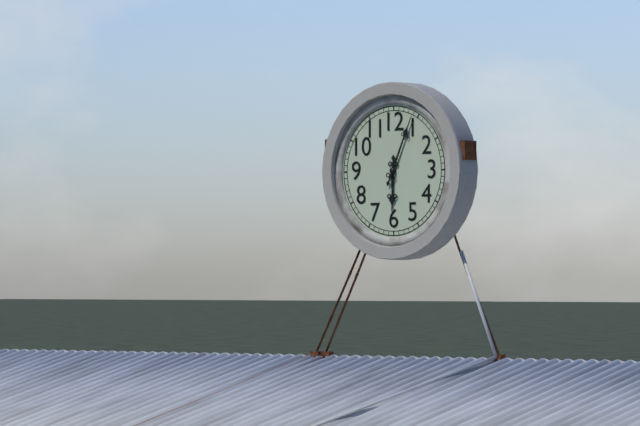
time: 6:04
